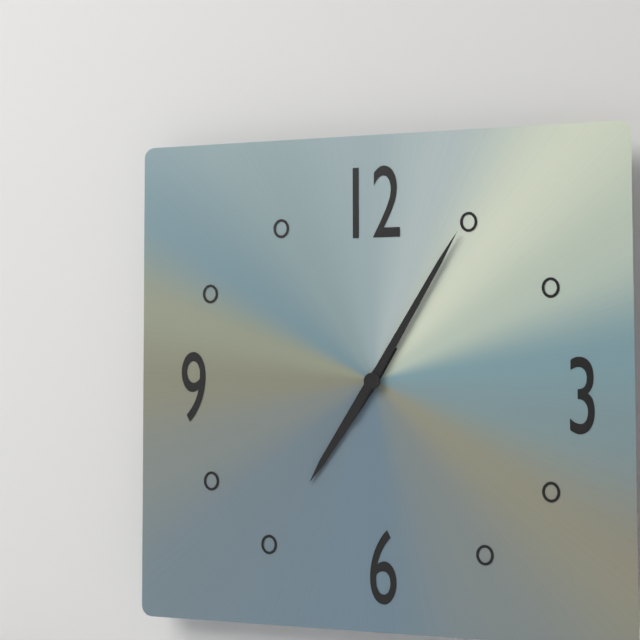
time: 7:05
